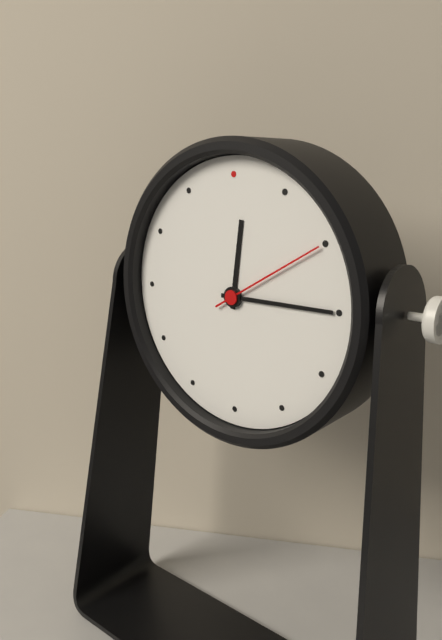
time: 12:15:10
